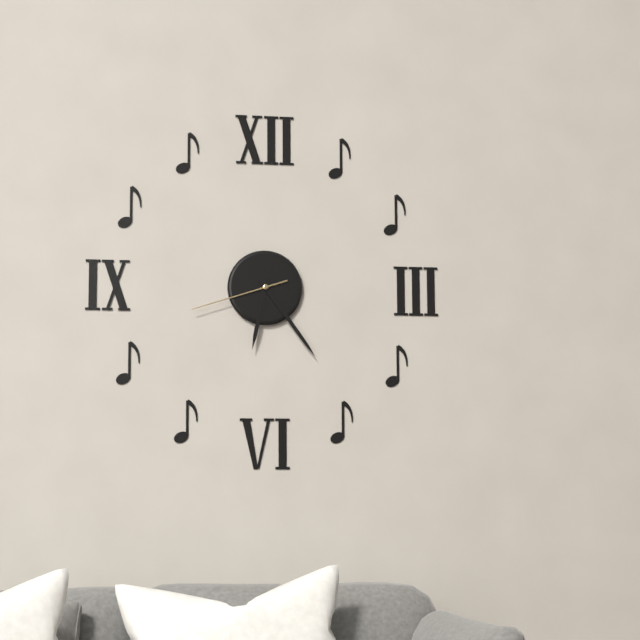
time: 6:24:42
